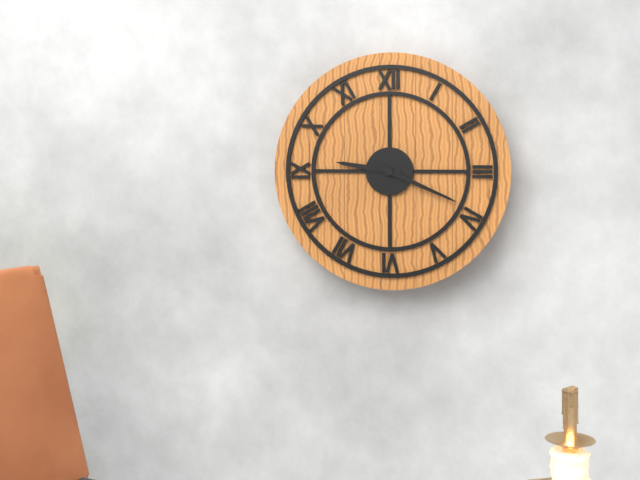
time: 9:19
